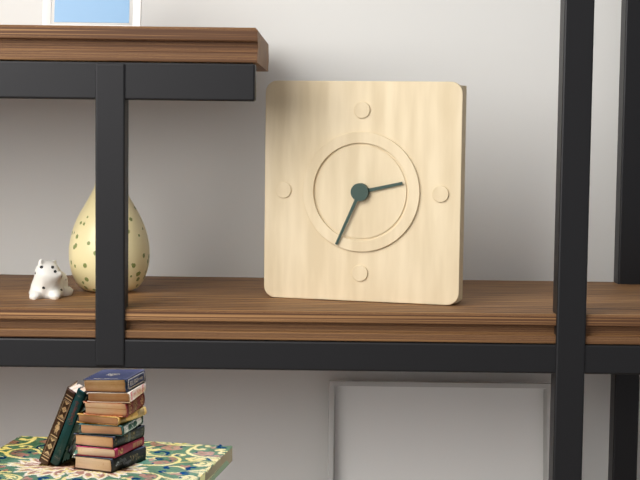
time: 2:34
